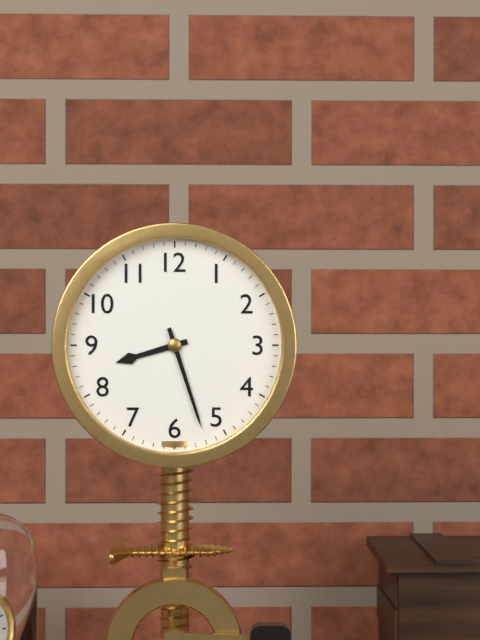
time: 8:27
